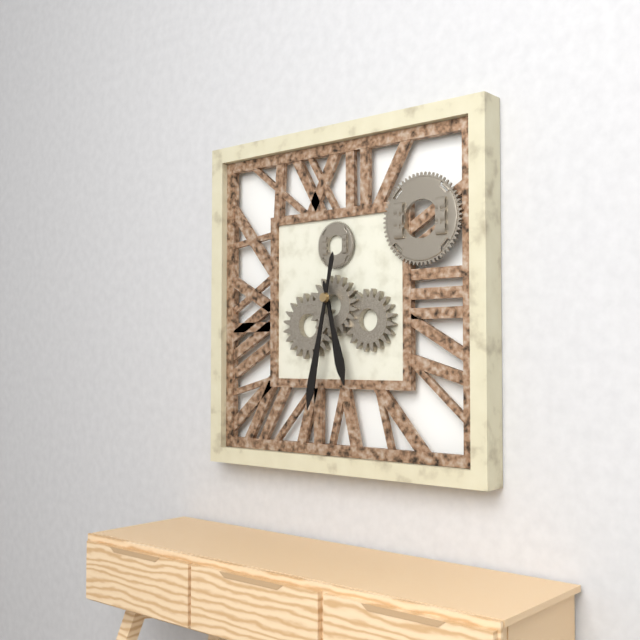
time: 5:32
